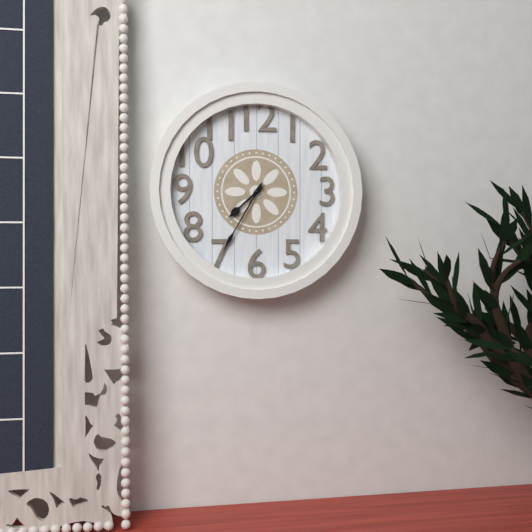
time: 7:35
